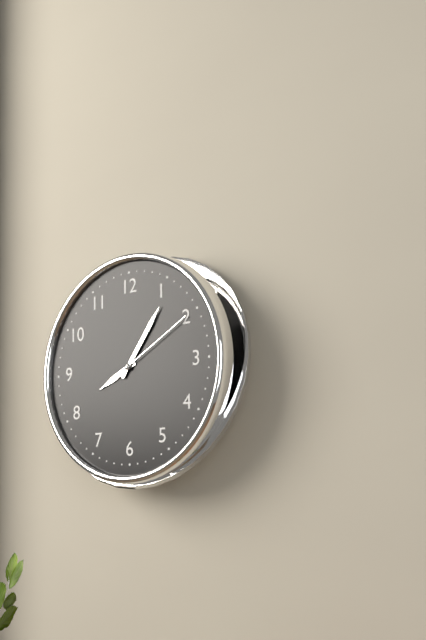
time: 8:06:10
